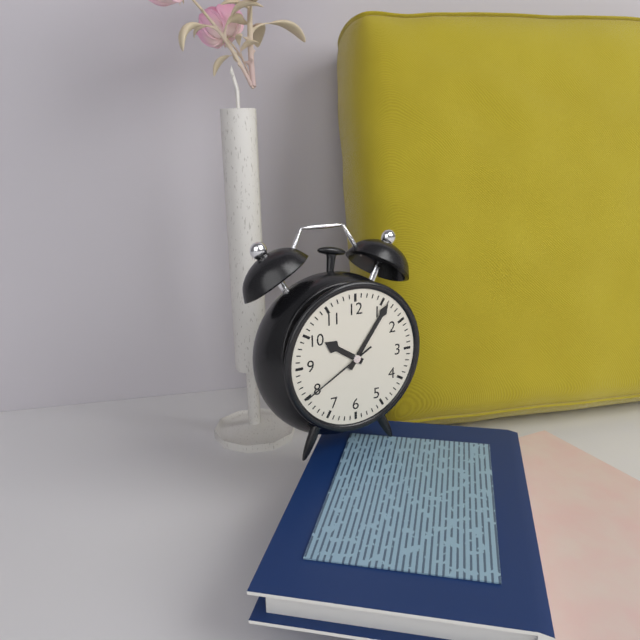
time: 10:06:40
